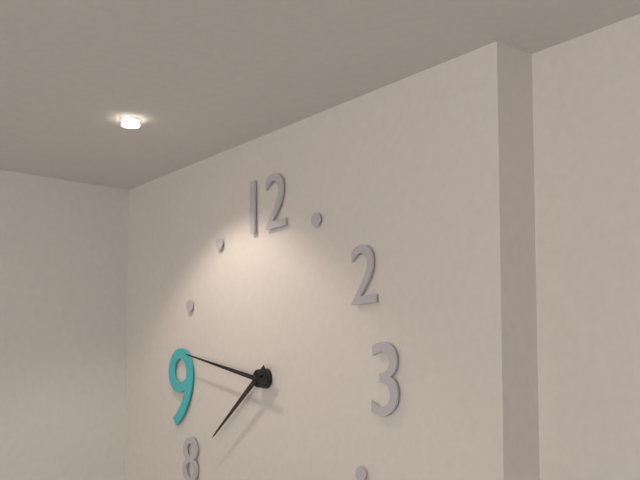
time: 7:47
